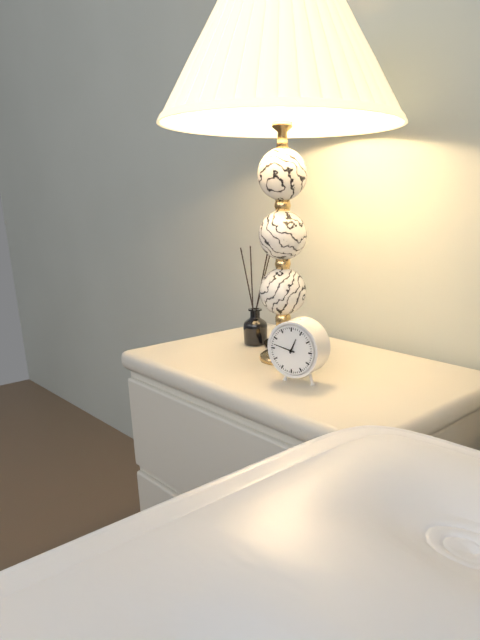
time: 12:47
